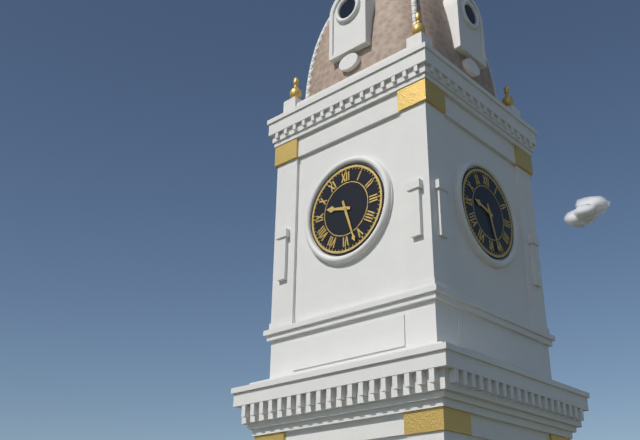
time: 9:27
